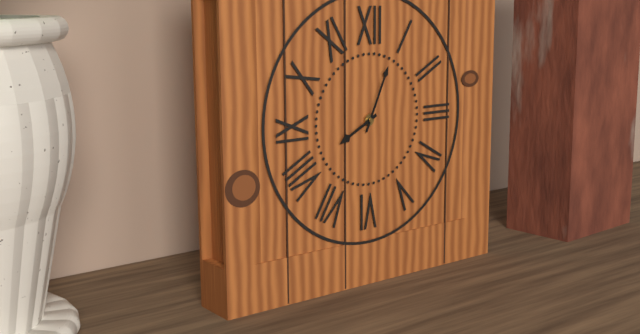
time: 8:04
